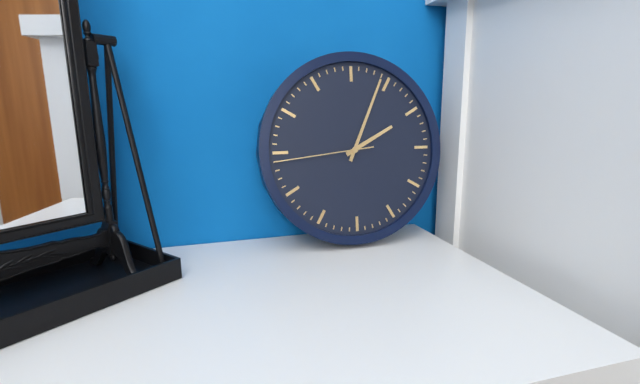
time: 2:04:44
